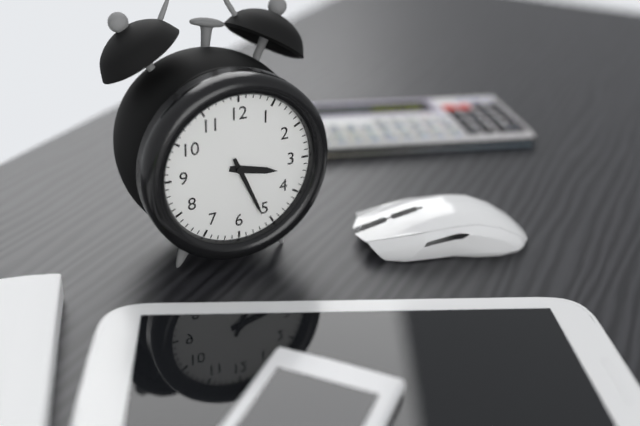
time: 3:26
